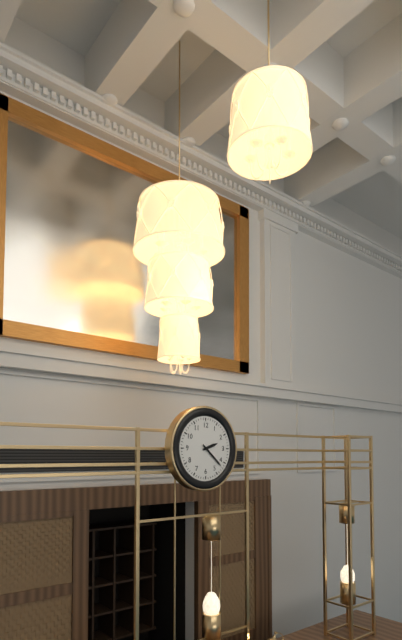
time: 2:22
